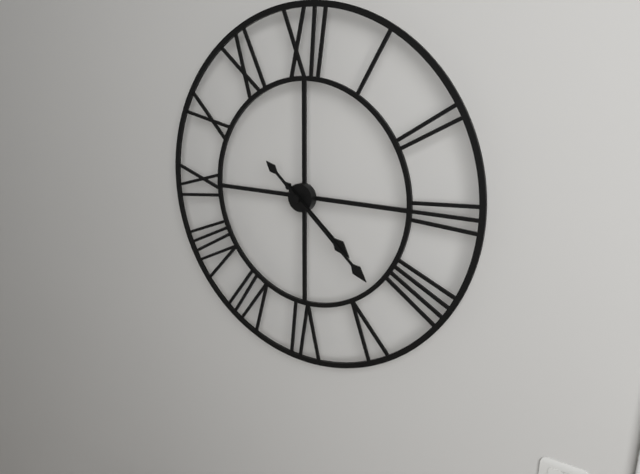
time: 4:22
